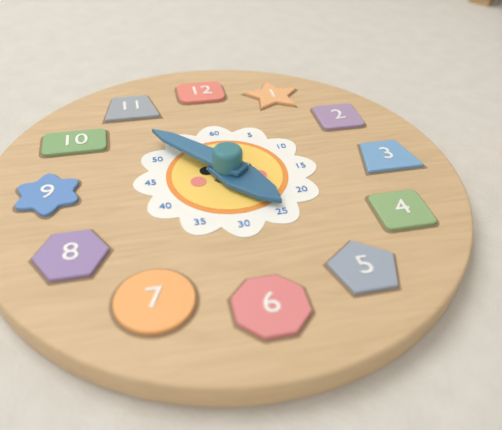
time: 4:53
